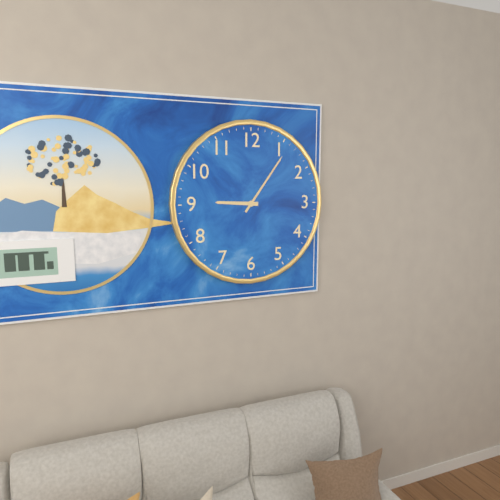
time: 9:06
